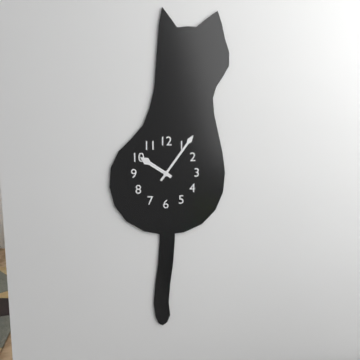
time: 10:06
